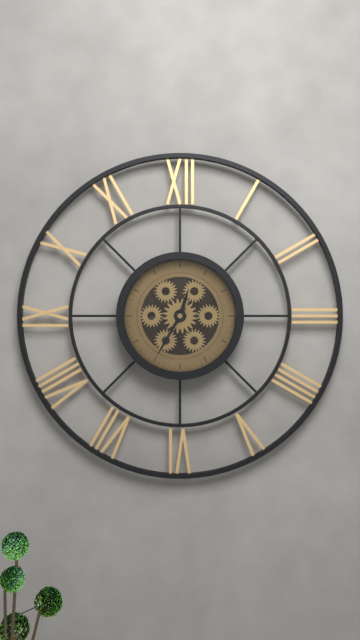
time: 12:35
